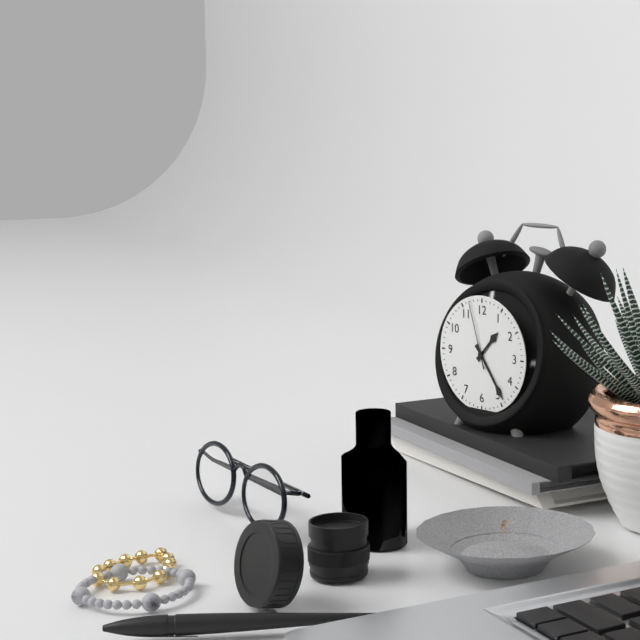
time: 1:24:57
